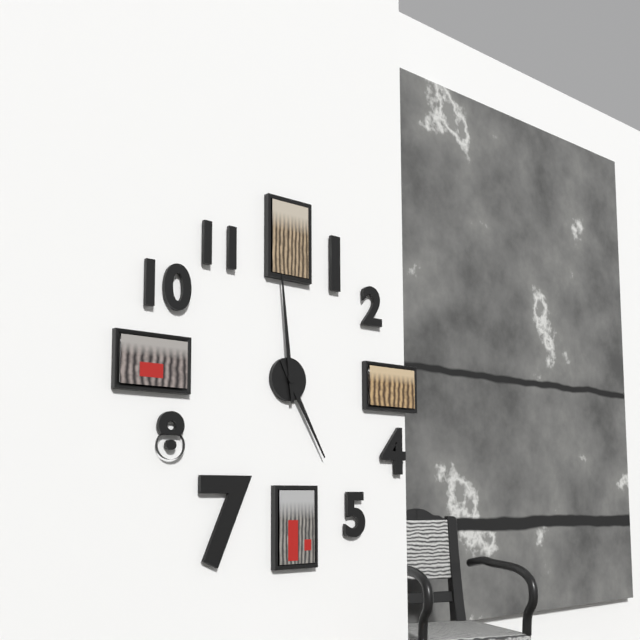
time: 4:59
